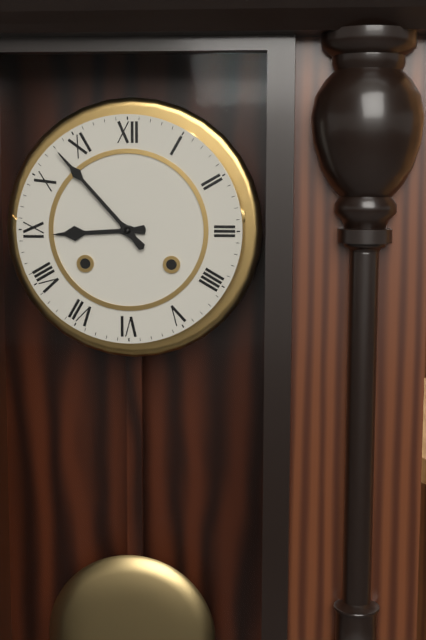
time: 8:53
